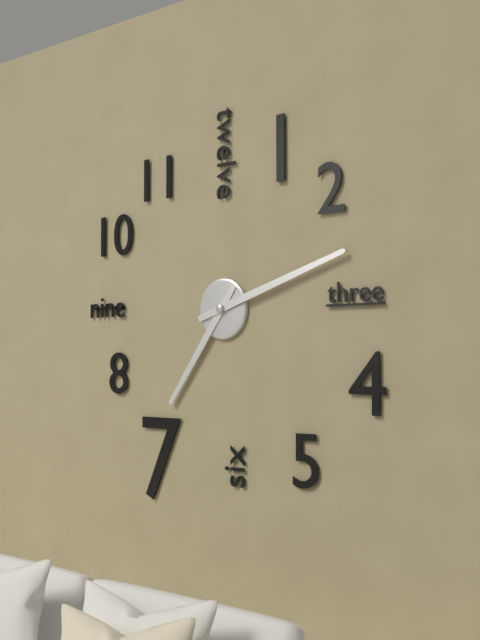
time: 7:12
